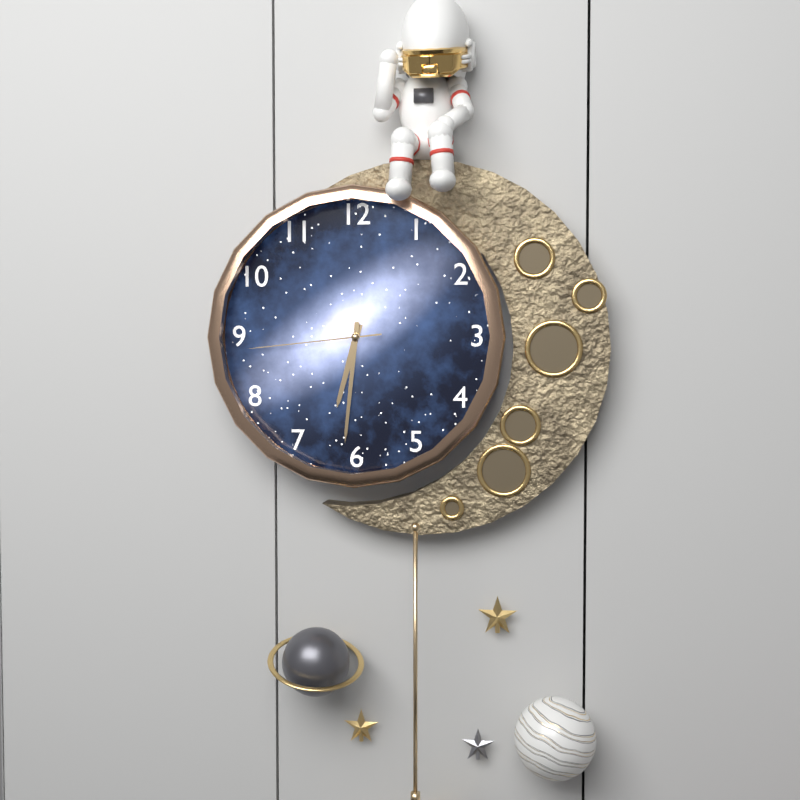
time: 6:31:44
